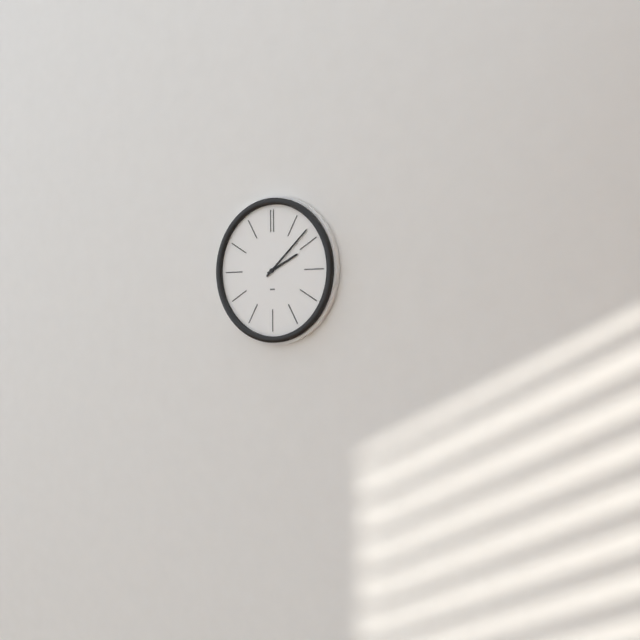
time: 2:08
